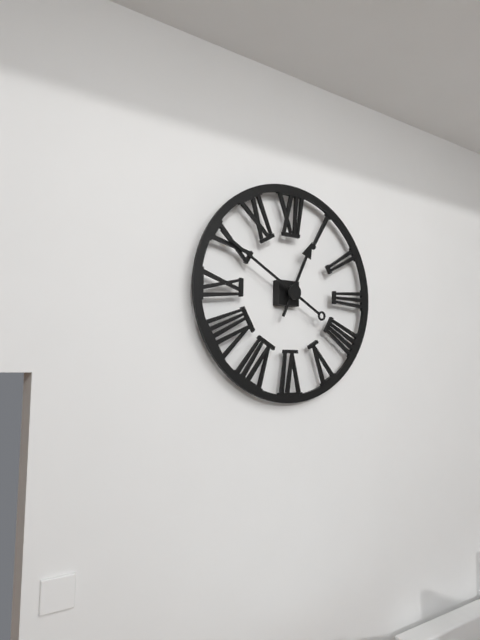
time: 12:50
